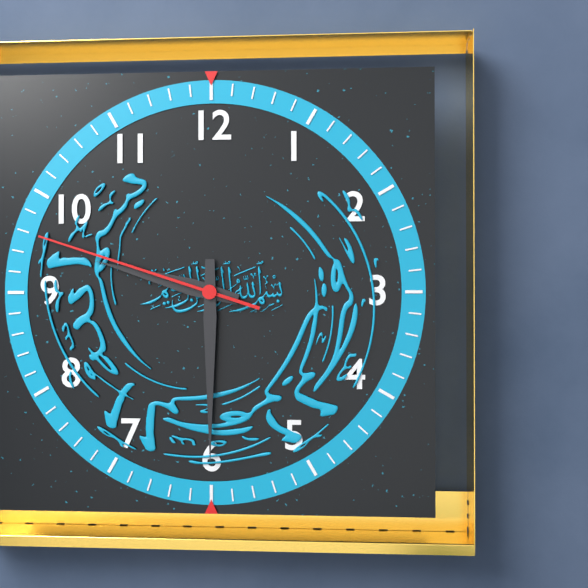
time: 9:30:48
